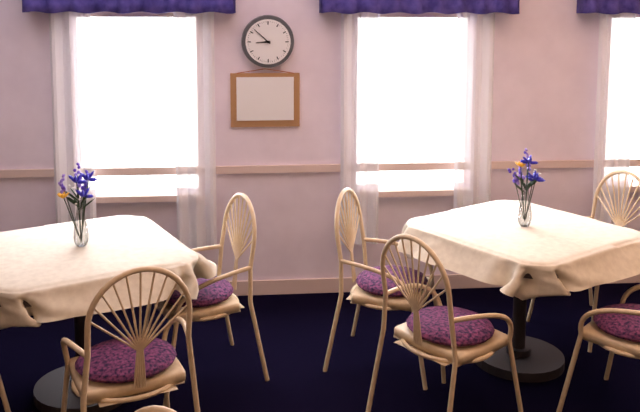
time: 8:52
